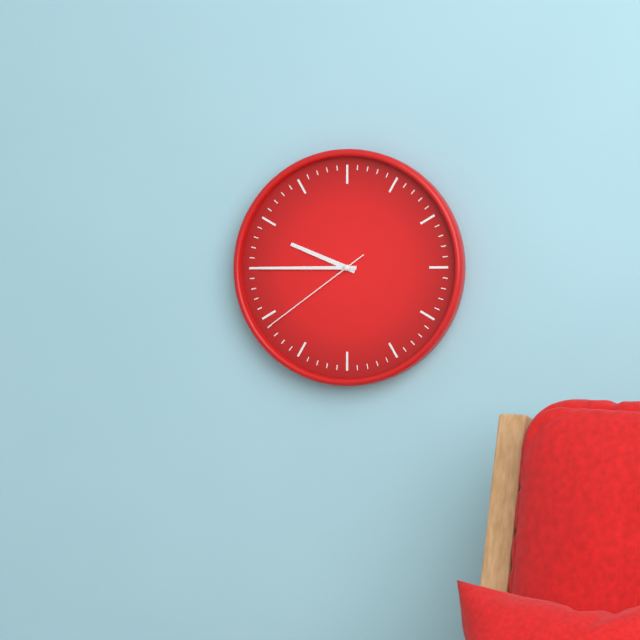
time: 9:45:39
